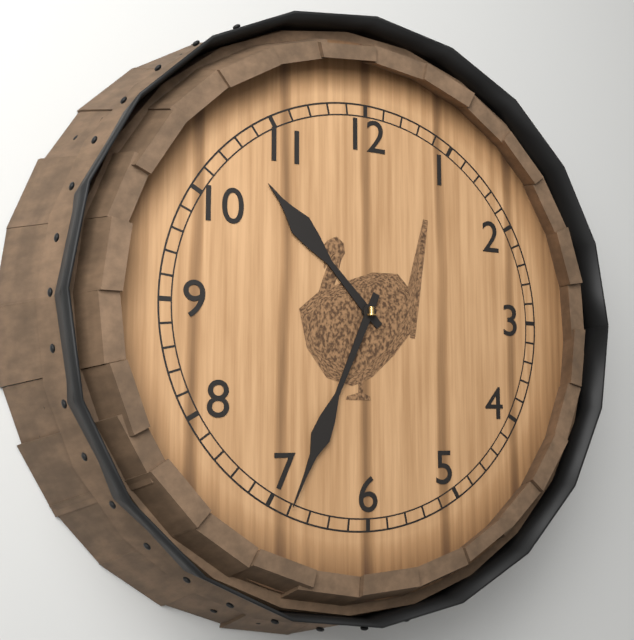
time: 10:34
